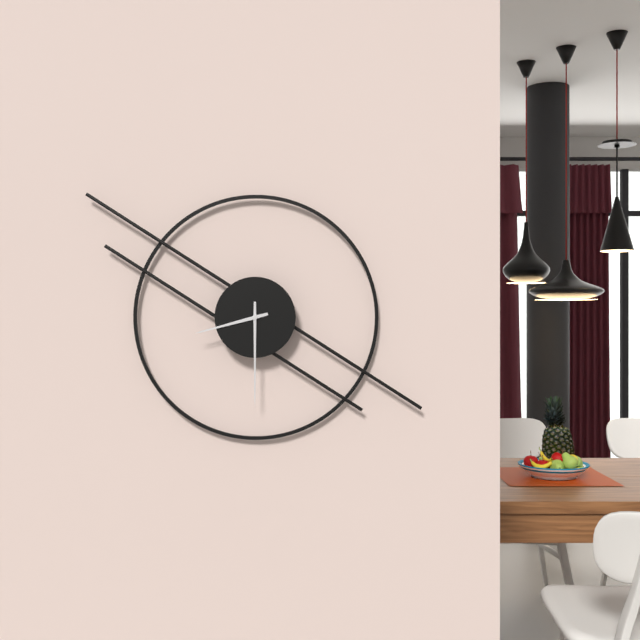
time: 8:30
